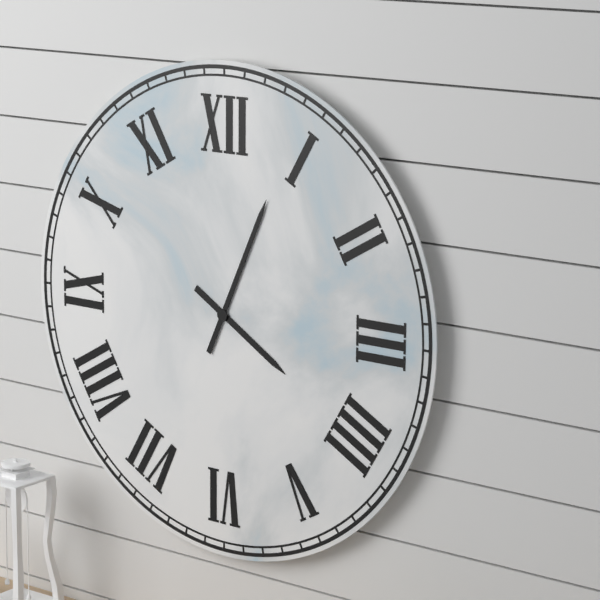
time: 4:04
